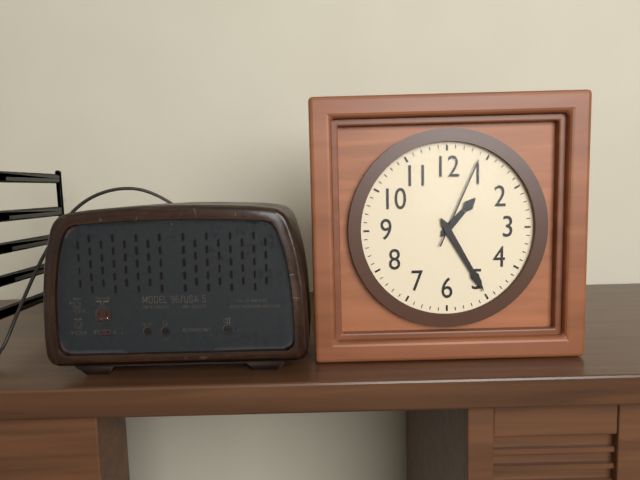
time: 1:25:04
